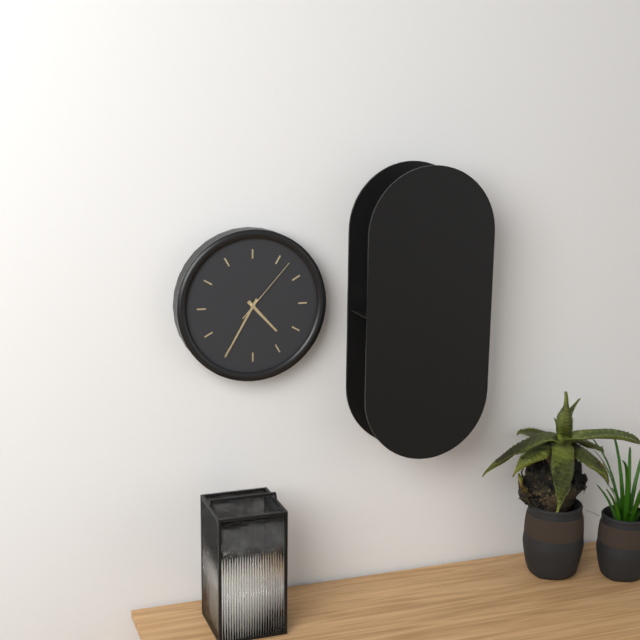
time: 4:35:07
